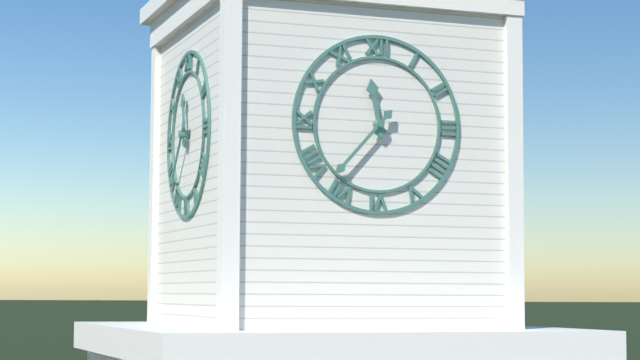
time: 11:37
